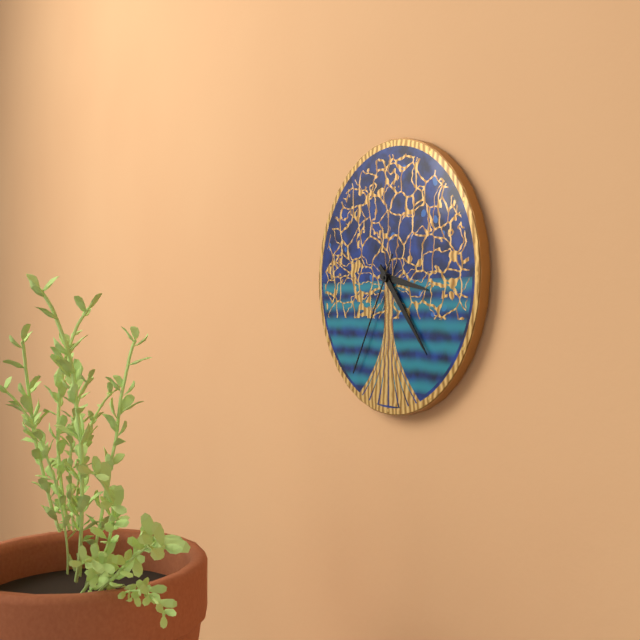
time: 3:23:35
